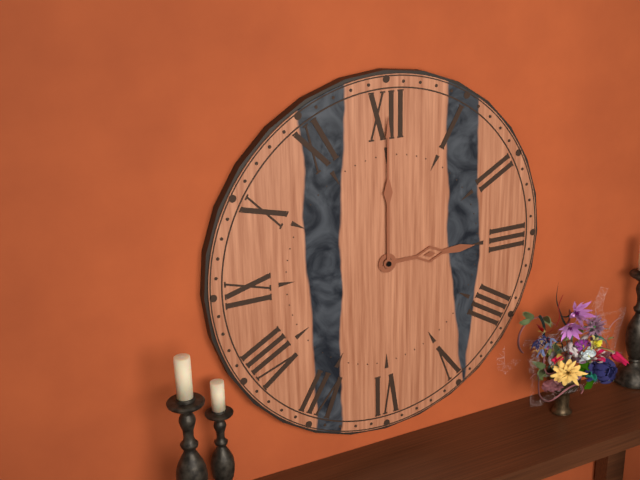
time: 3:00
